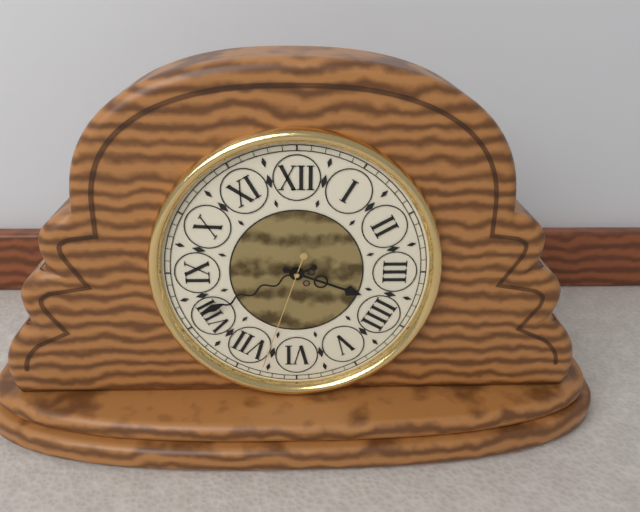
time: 3:41:33
